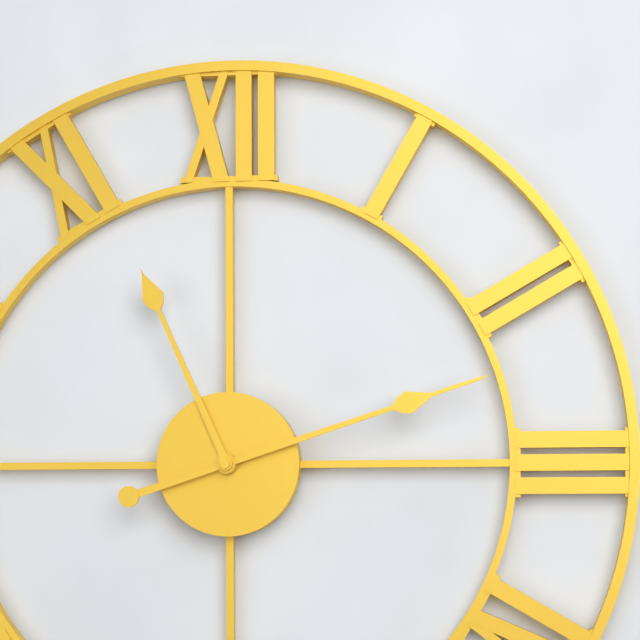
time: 11:12
